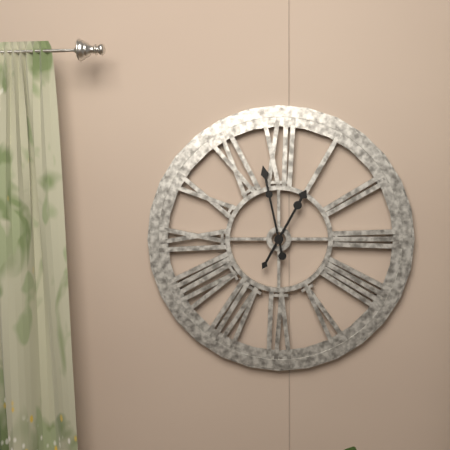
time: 12:58
